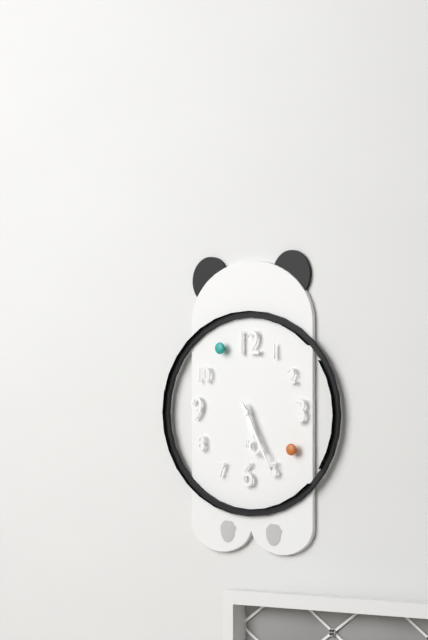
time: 5:25
